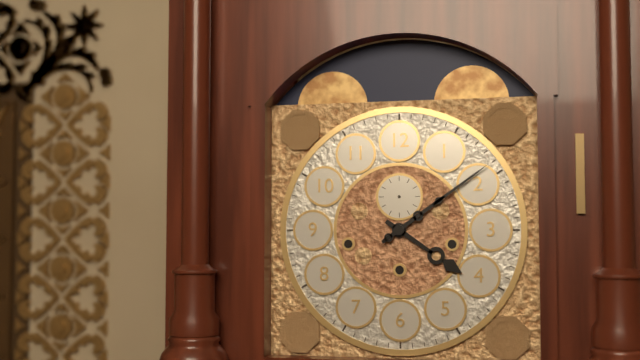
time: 4:09
